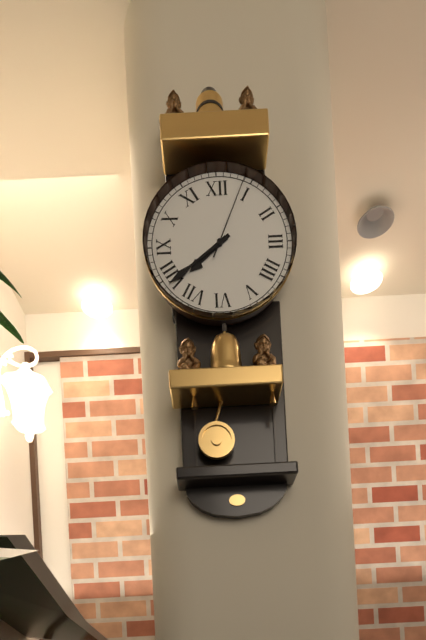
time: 7:39:04
